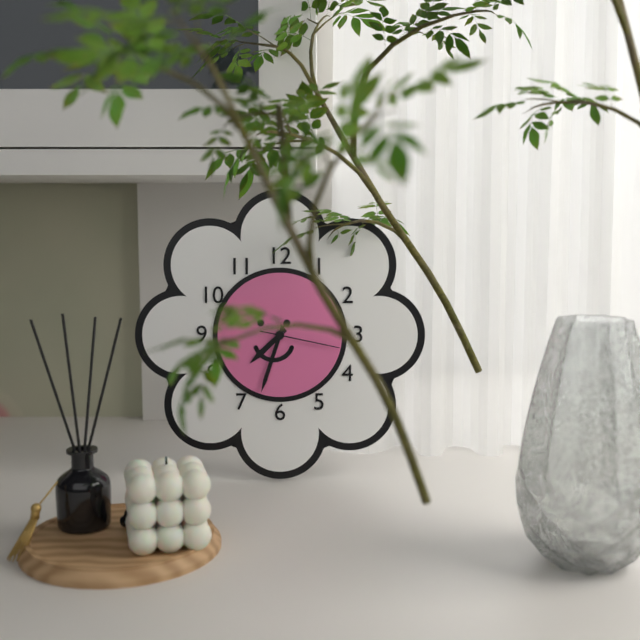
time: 7:33:17
